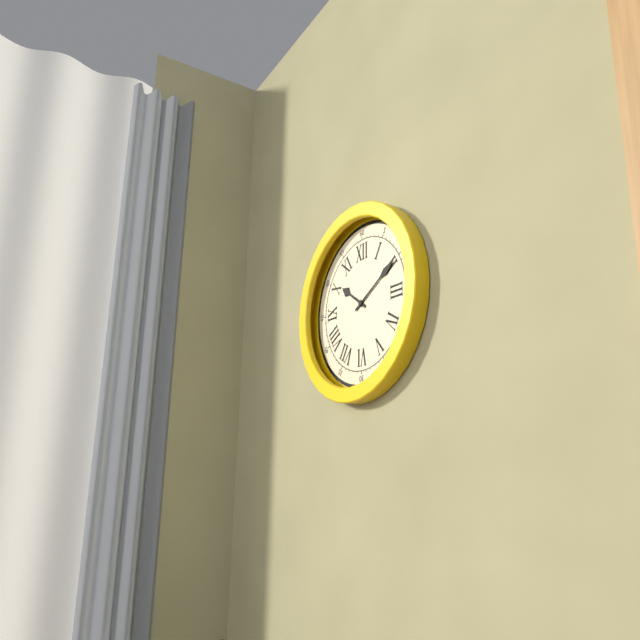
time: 10:10
